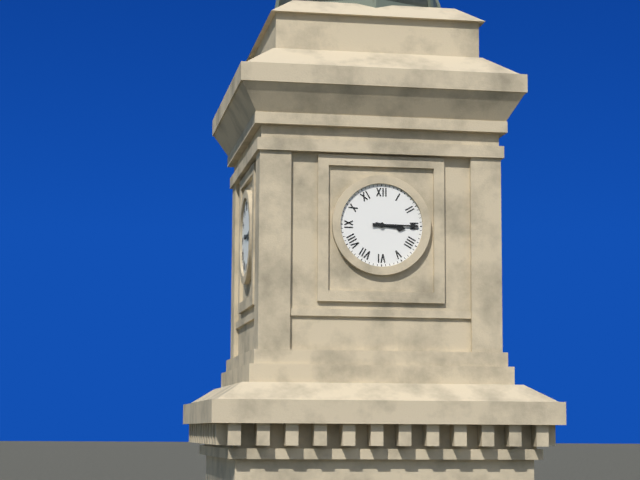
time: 3:15
